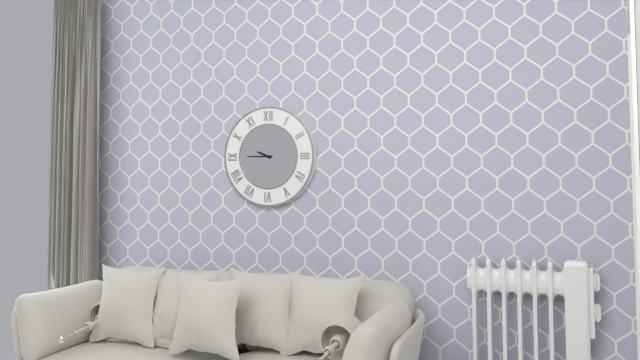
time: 9:45
